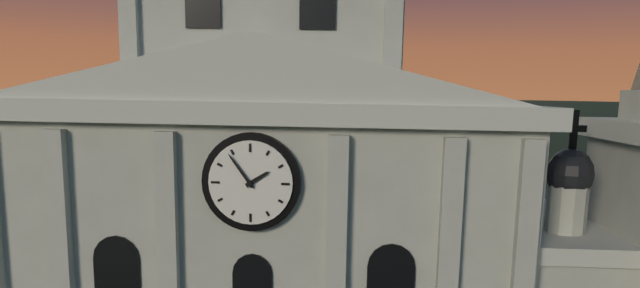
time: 1:54
